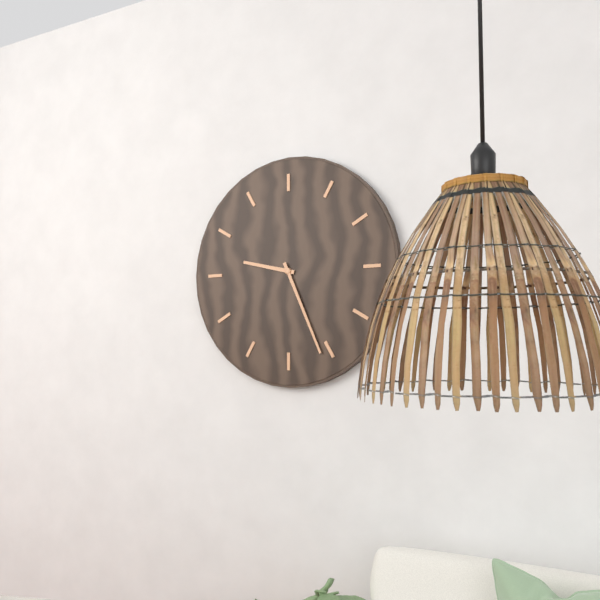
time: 9:26
